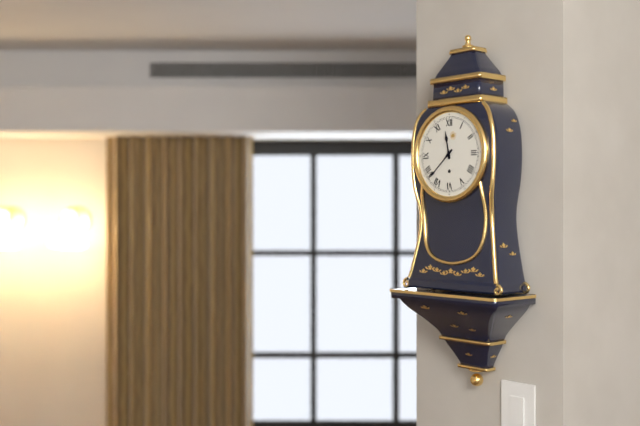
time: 11:38
